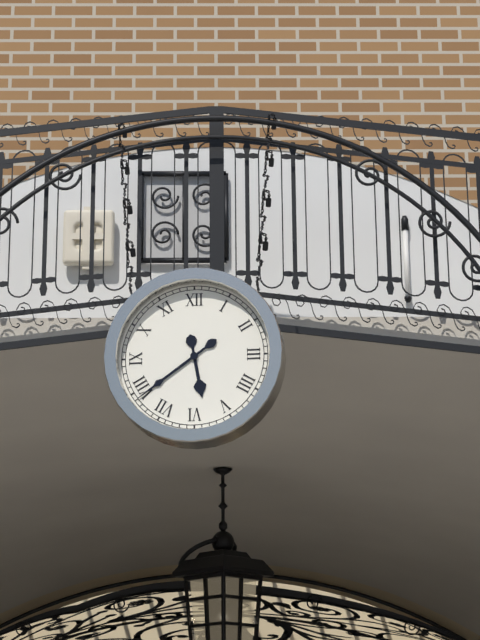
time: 5:39
